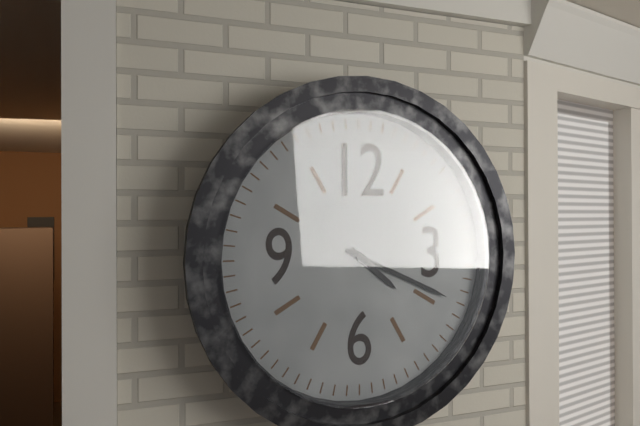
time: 4:19
